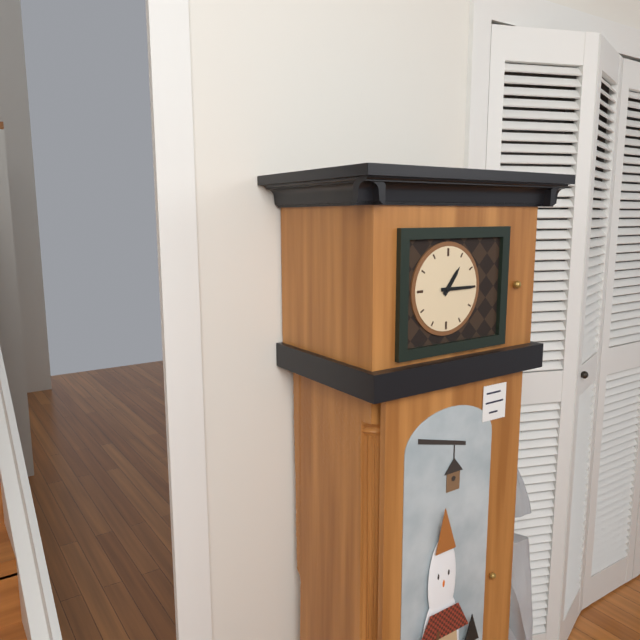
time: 1:15
